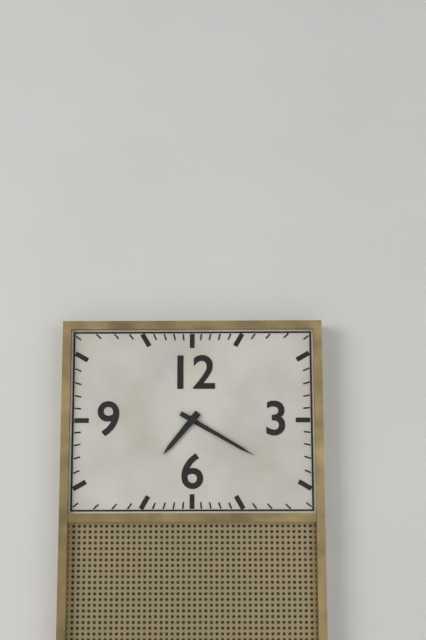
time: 7:20
